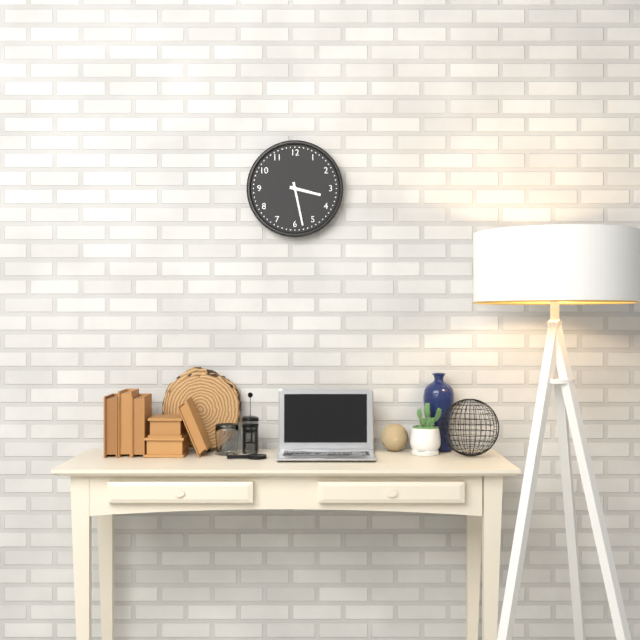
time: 3:28
